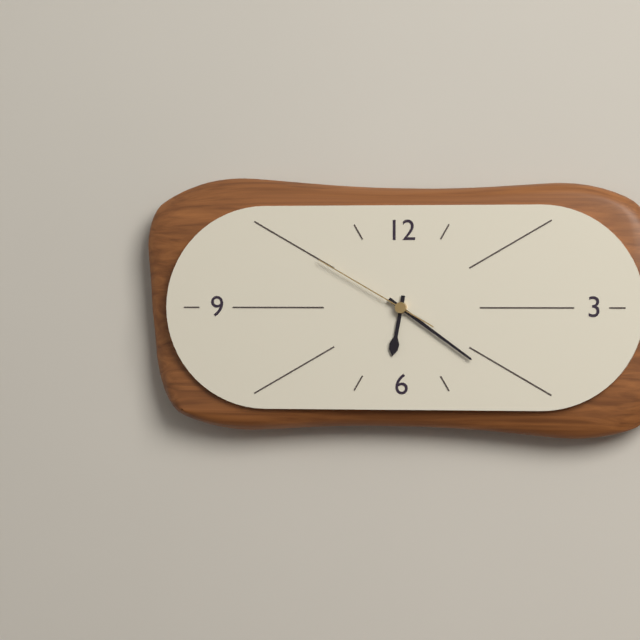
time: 6:21:50
